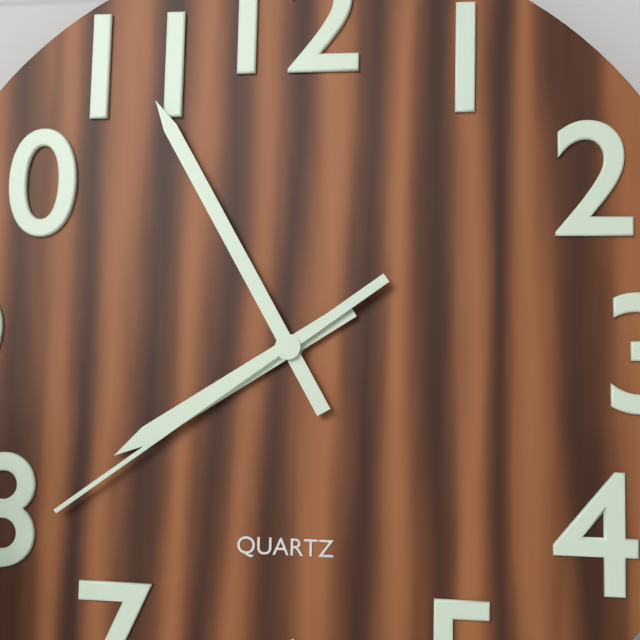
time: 7:55:39
